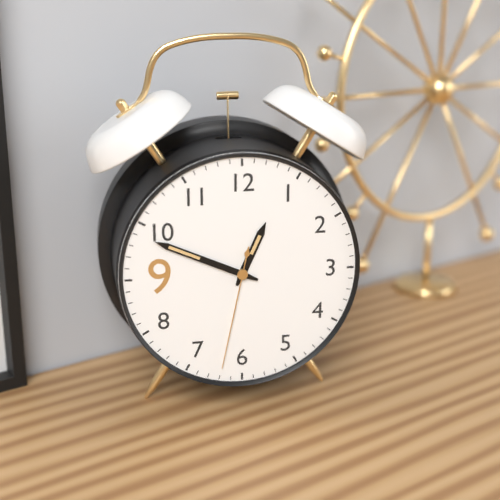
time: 12:49:32
